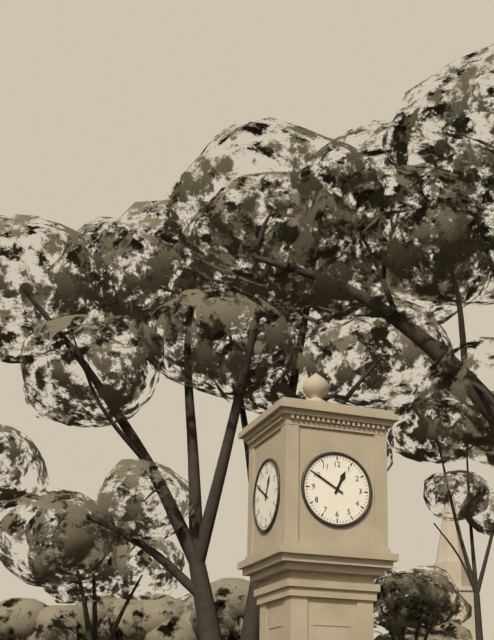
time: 12:50
